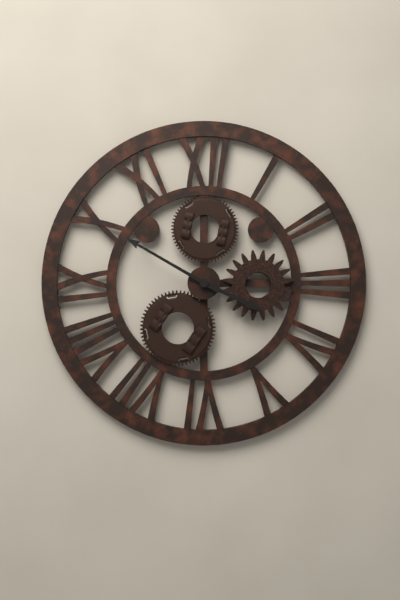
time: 3:50
